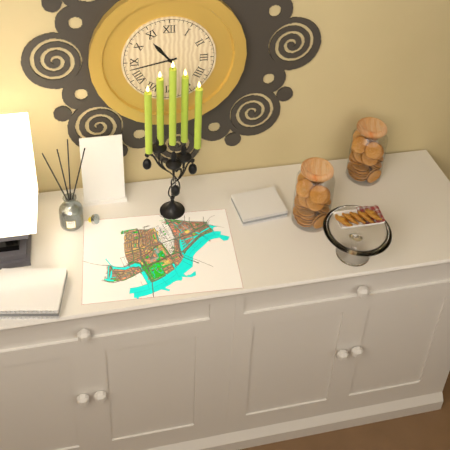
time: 10:43
